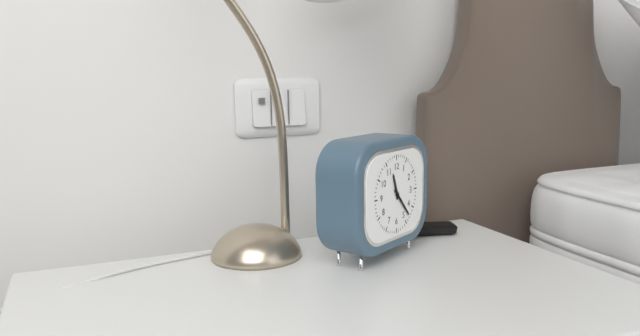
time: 11:23
